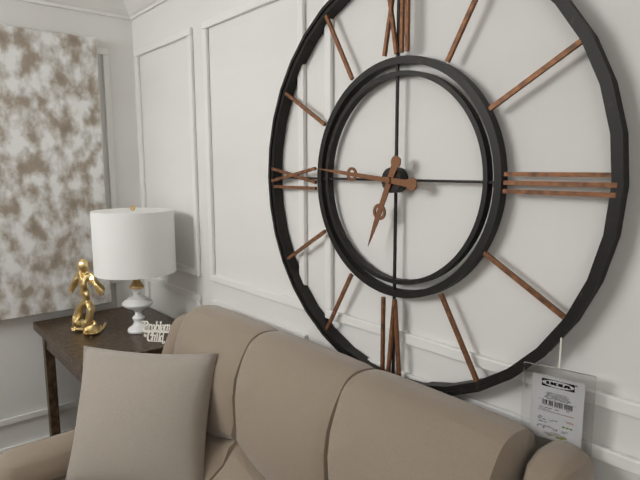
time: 6:46
